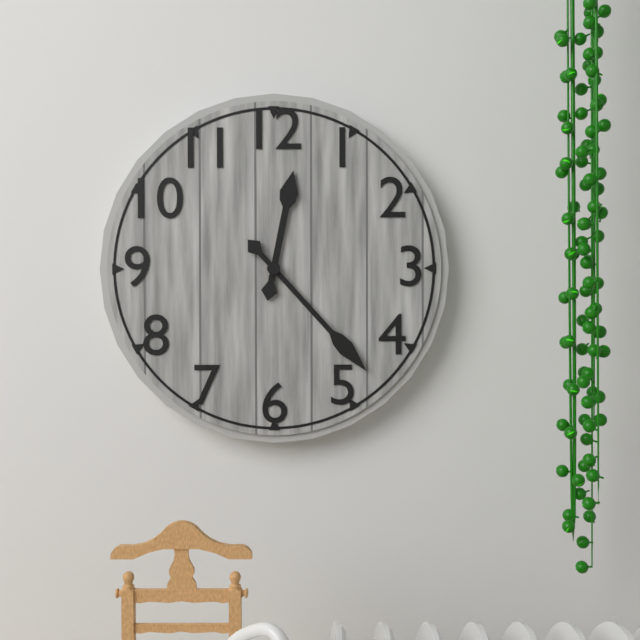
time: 12:23
